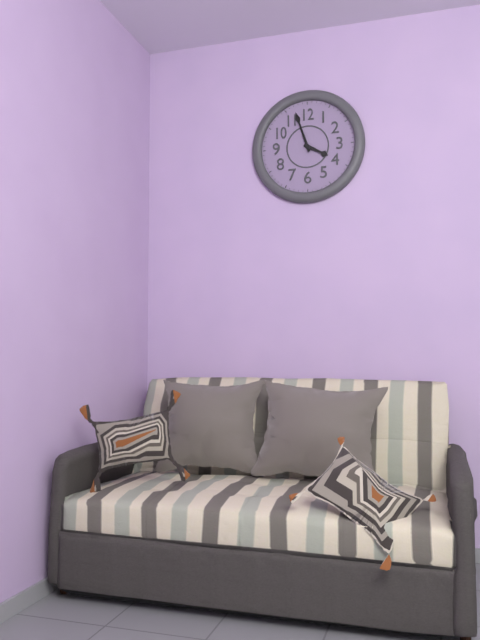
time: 3:57
